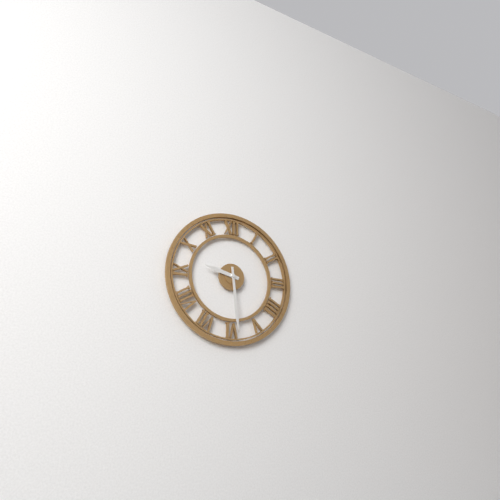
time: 9:29
